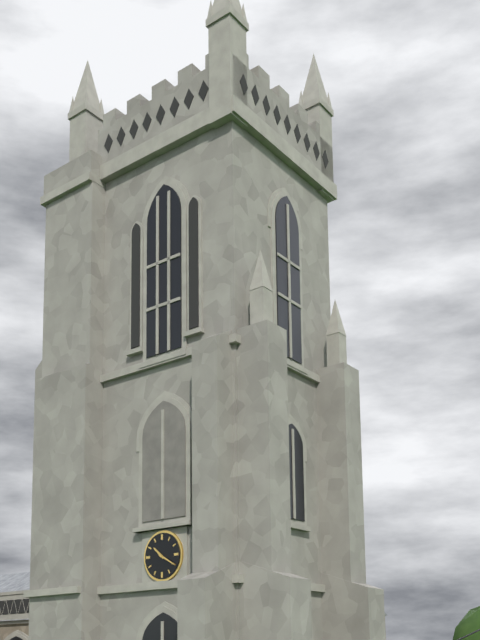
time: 10:20
